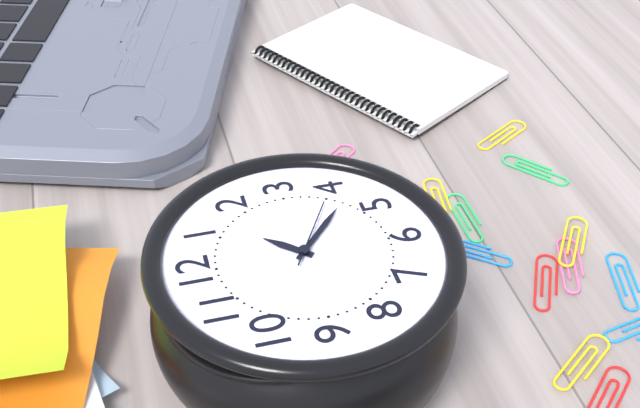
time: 1:22:20
